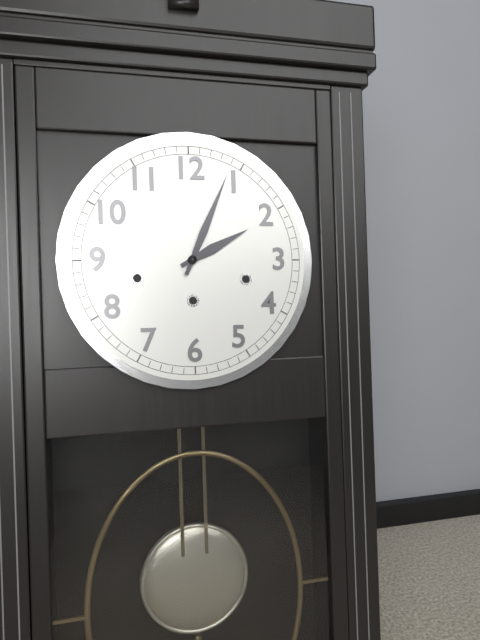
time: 2:04
